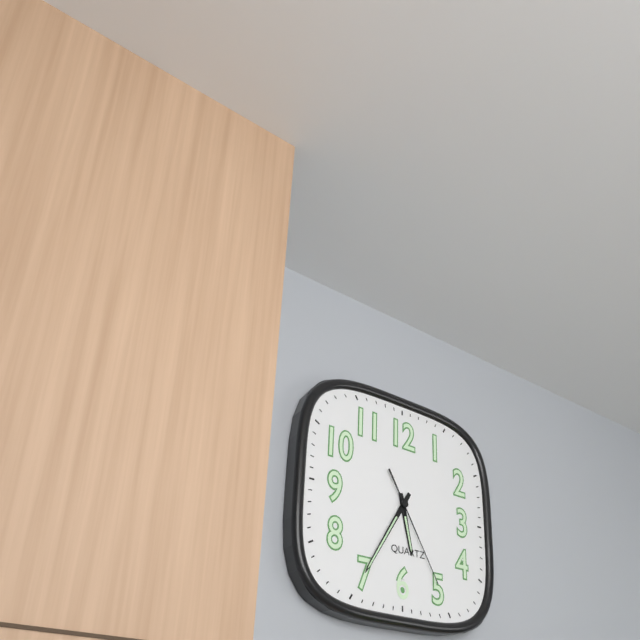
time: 5:35:25
